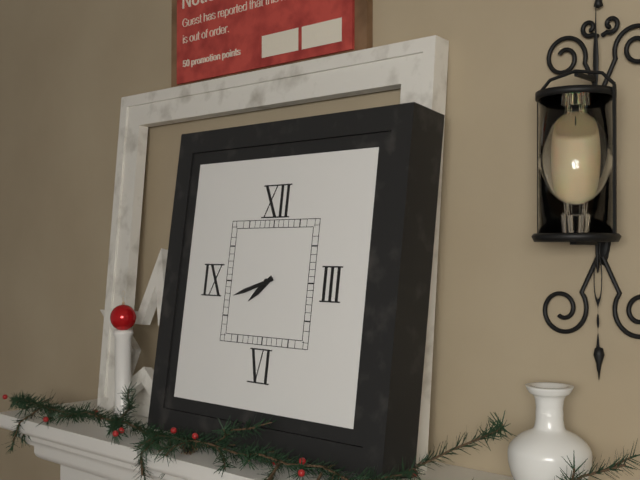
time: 7:42
